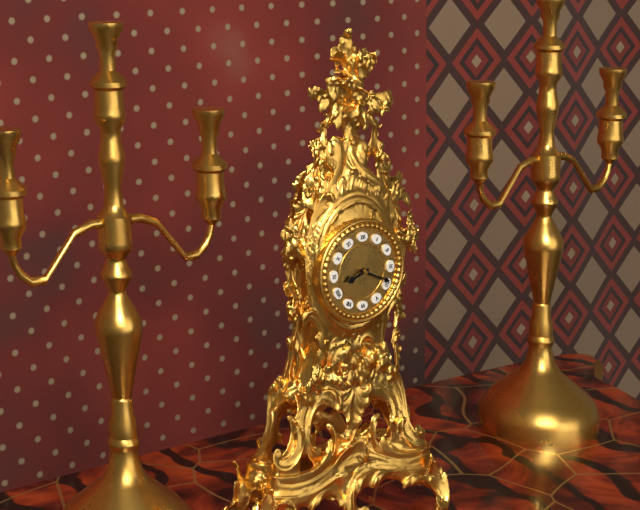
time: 8:19
